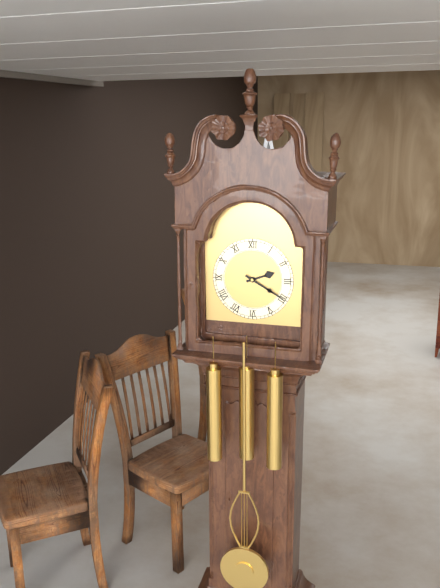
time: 2:20
